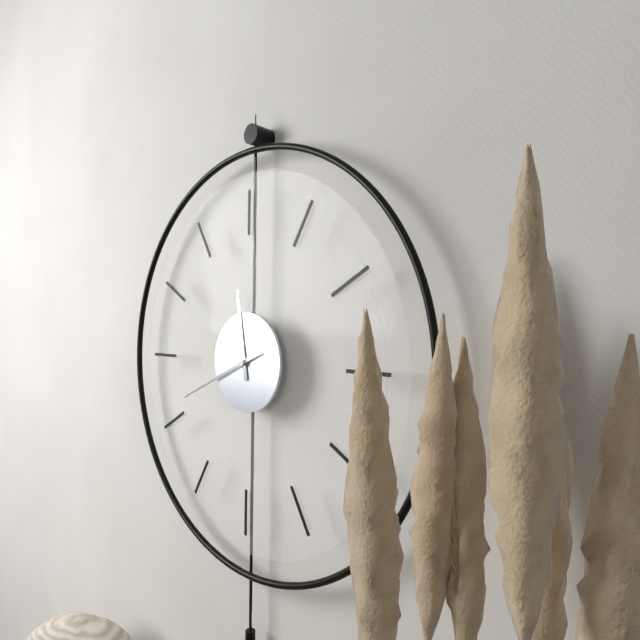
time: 11:41
